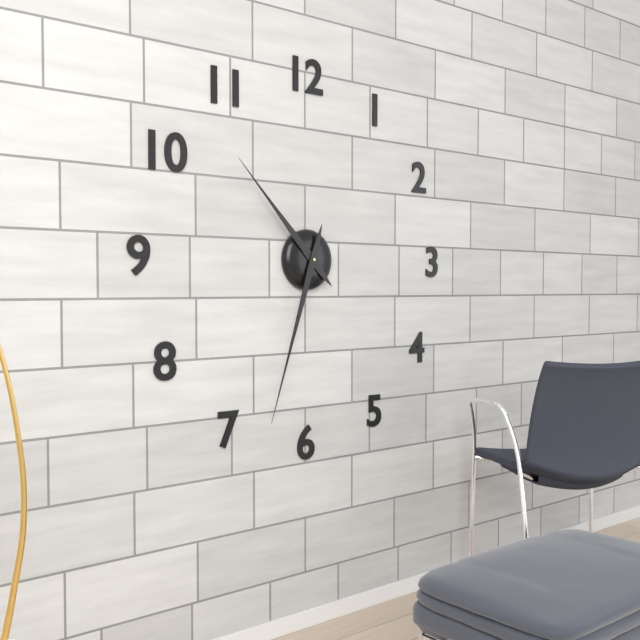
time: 10:33
